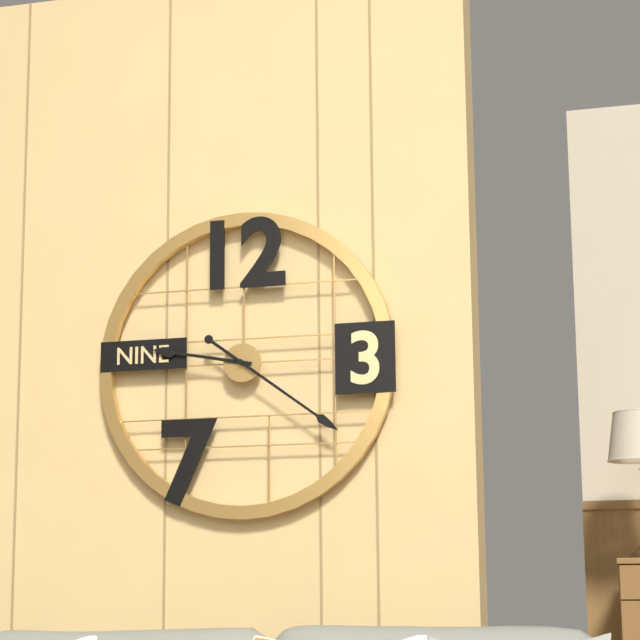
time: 9:21
